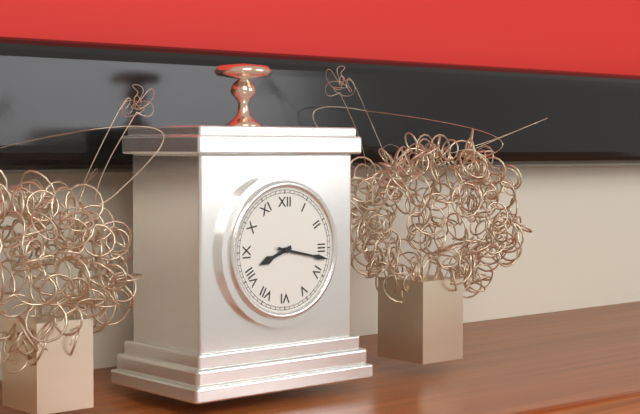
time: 8:17
